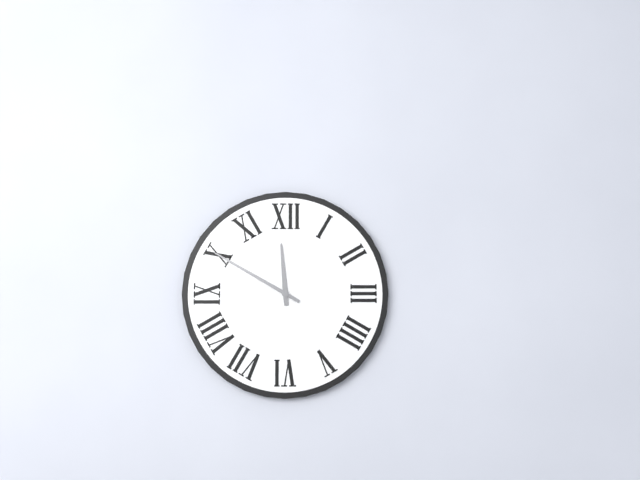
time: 11:50
